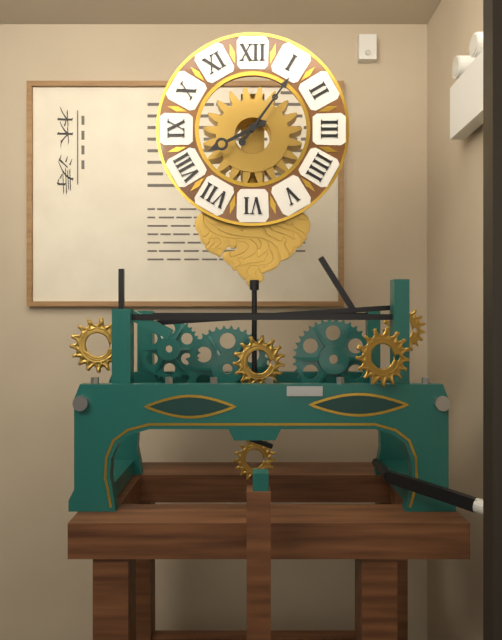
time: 8:06
